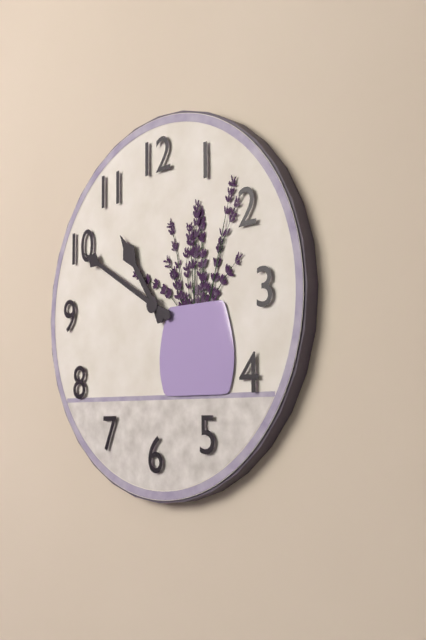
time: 10:50
